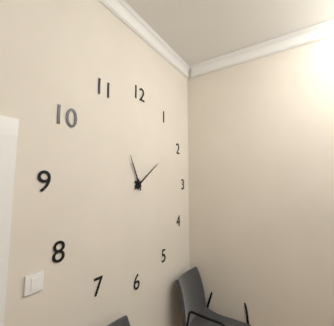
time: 11:09
